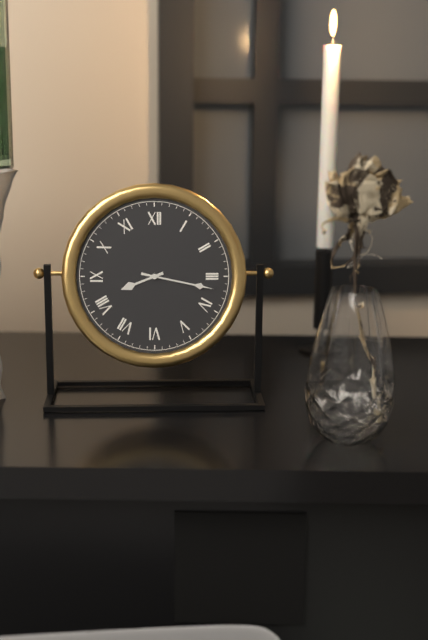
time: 8:17
